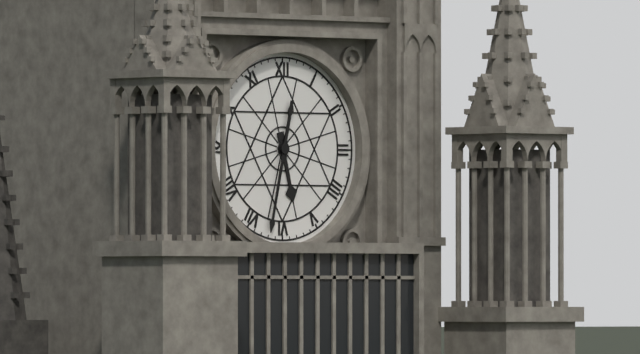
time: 5:32
